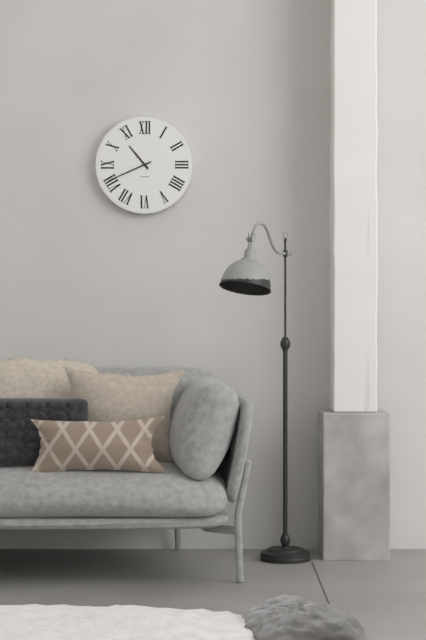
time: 10:41
